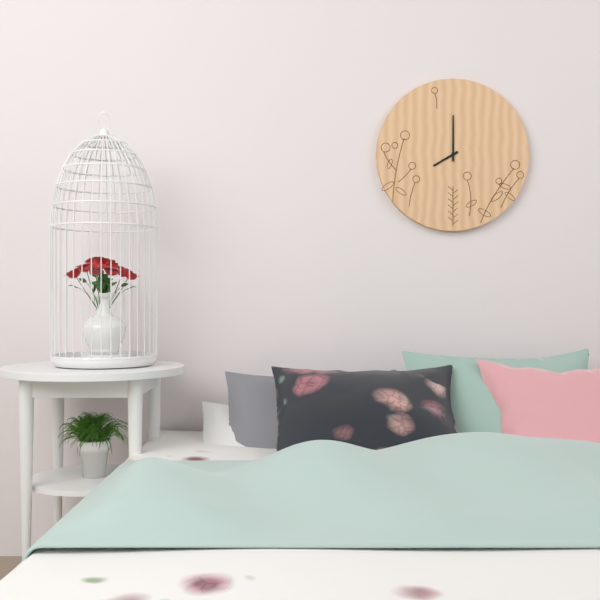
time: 8:00
